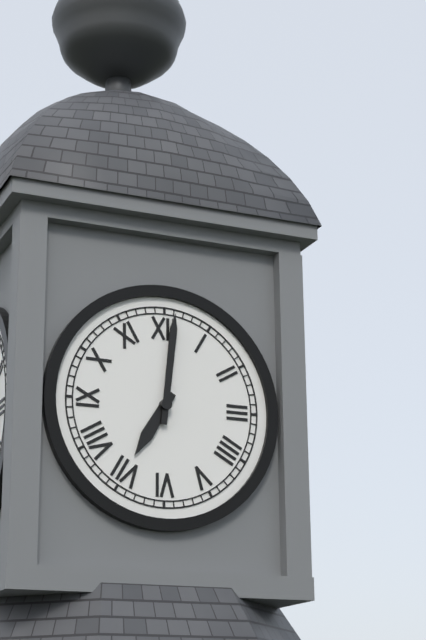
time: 7:01
